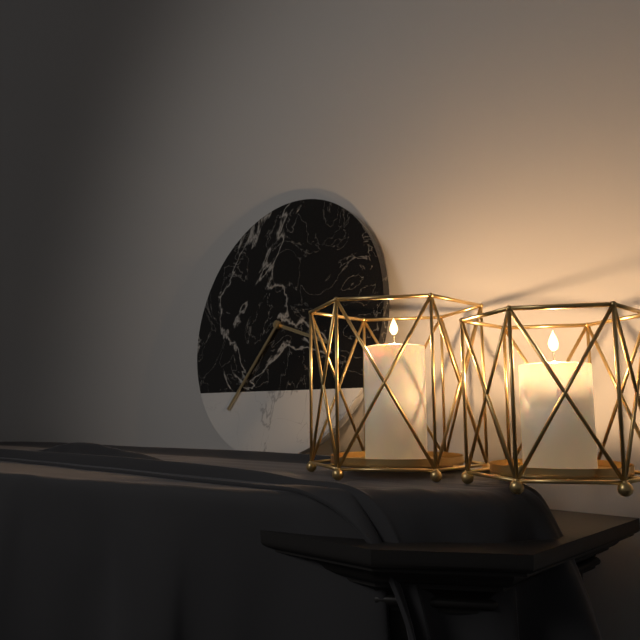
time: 3:36
